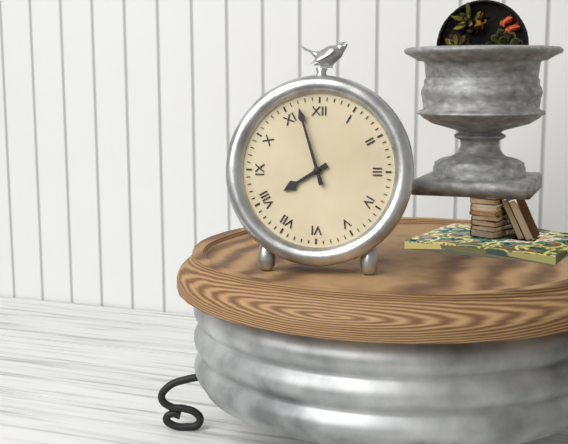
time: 7:57
